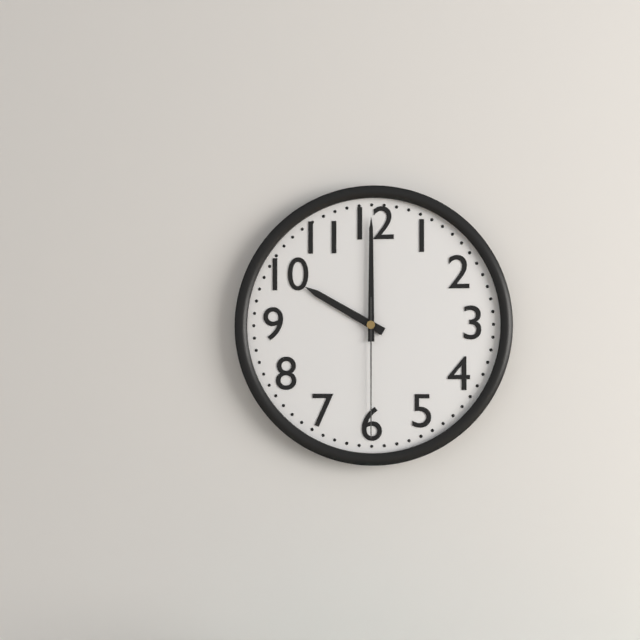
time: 10:00:30
